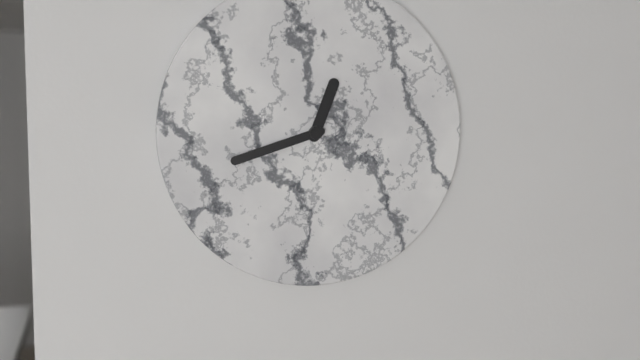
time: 12:42
